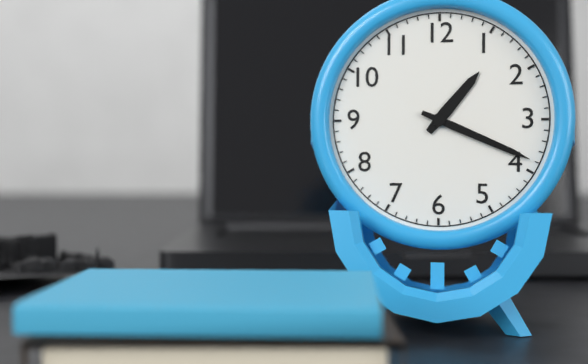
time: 1:19
